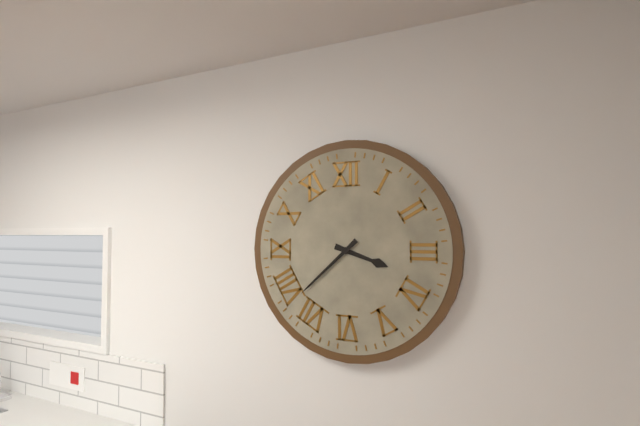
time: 3:38
